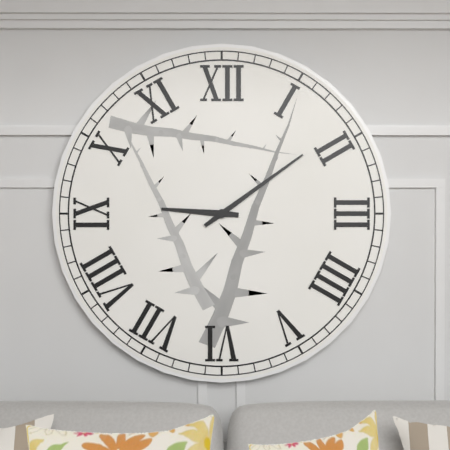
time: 9:09
